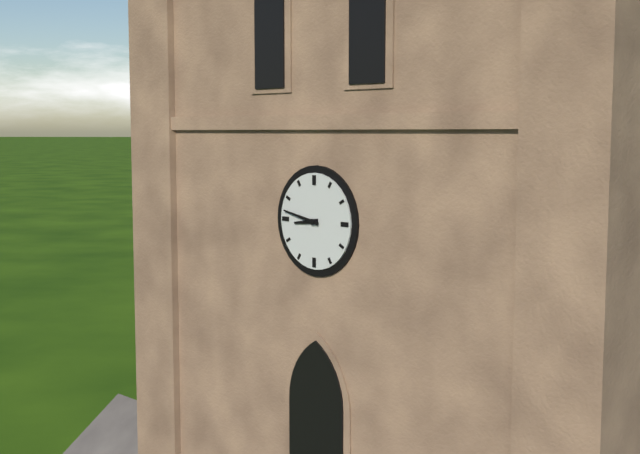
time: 8:47
